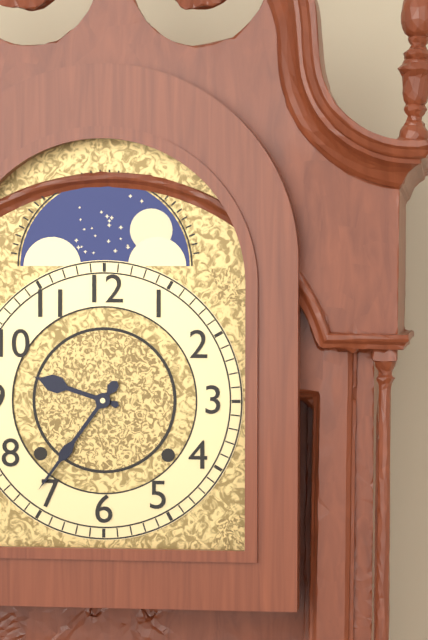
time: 9:36
